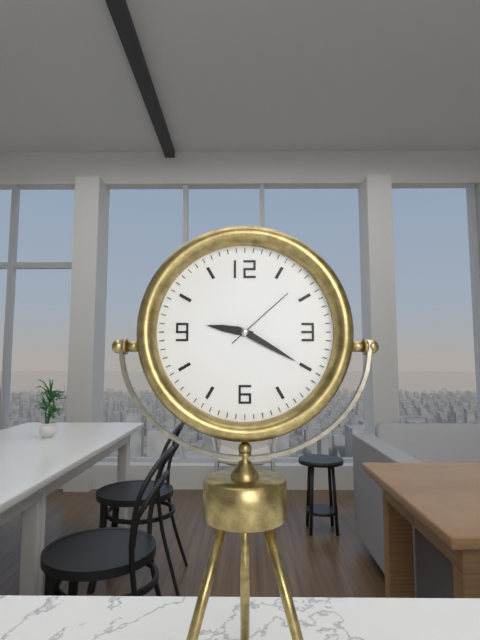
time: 9:20:08
